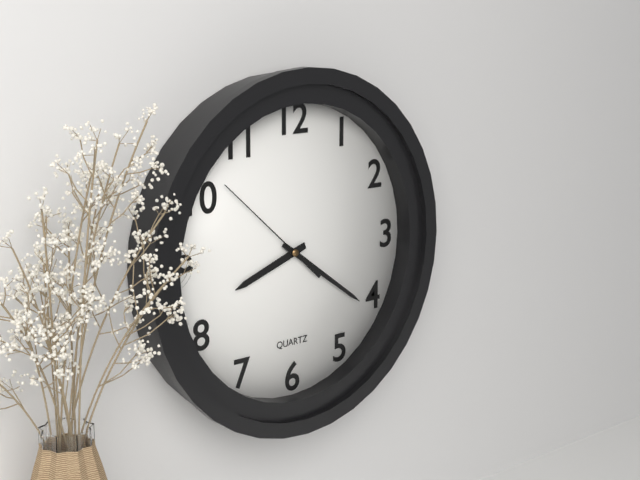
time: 8:21:52
